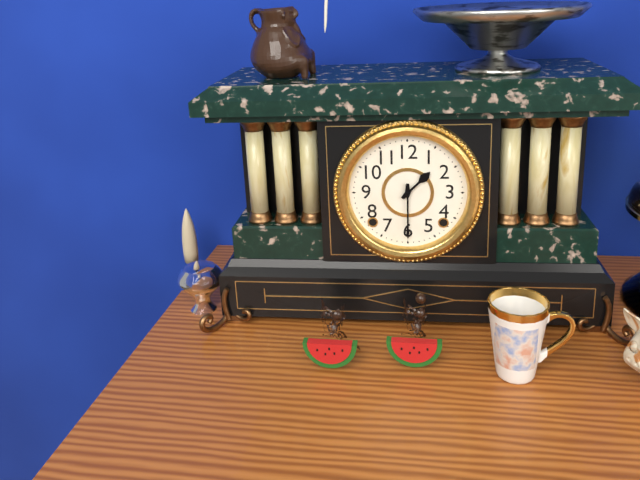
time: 1:30
